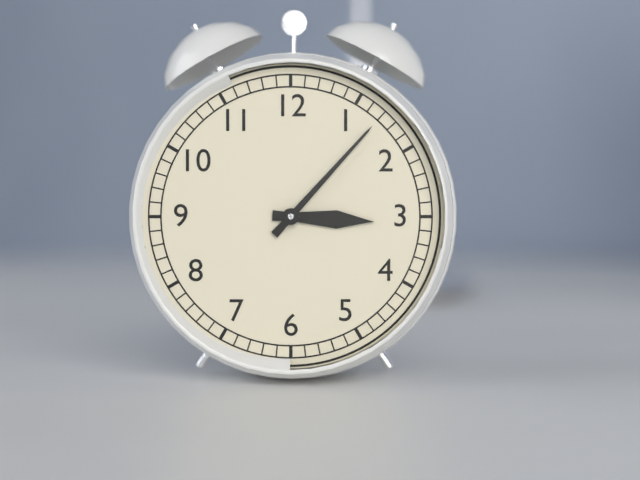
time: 3:07
